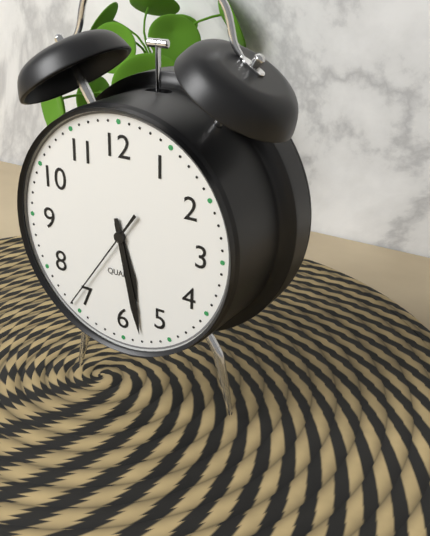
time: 5:28:36
